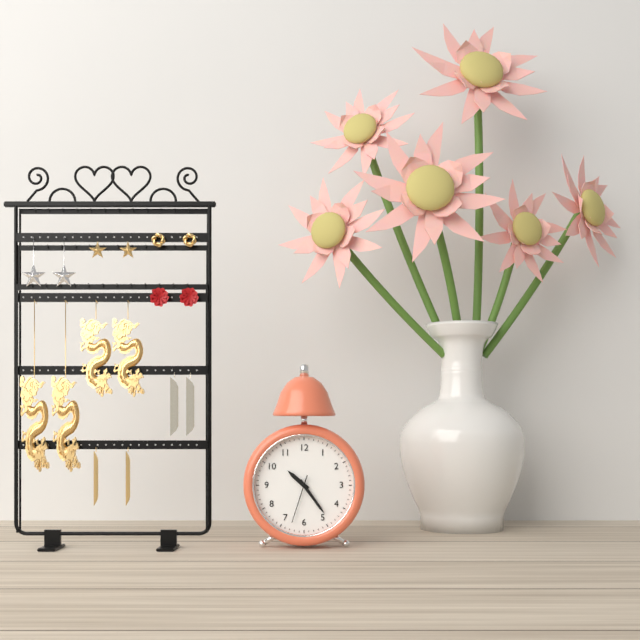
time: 10:24
